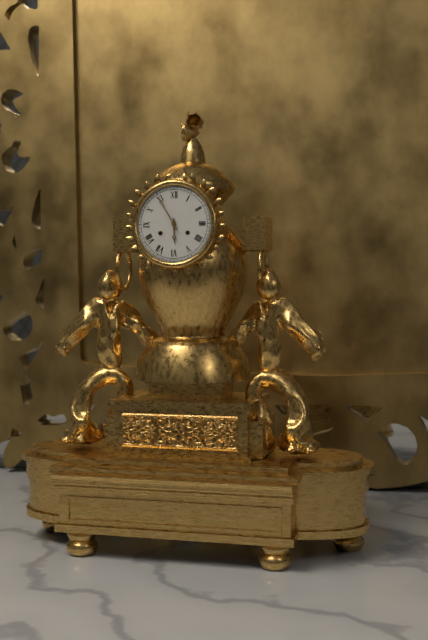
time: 5:55
